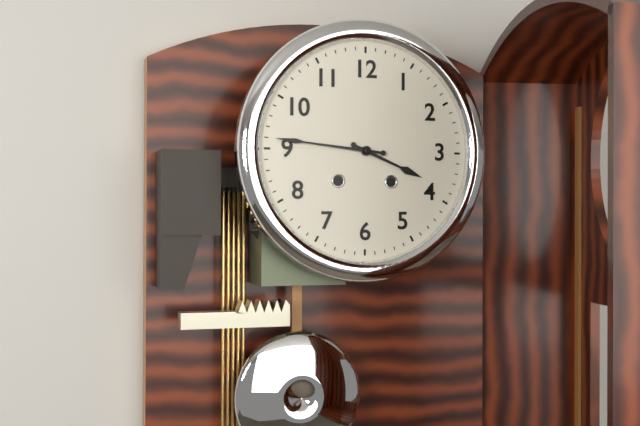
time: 3:46
